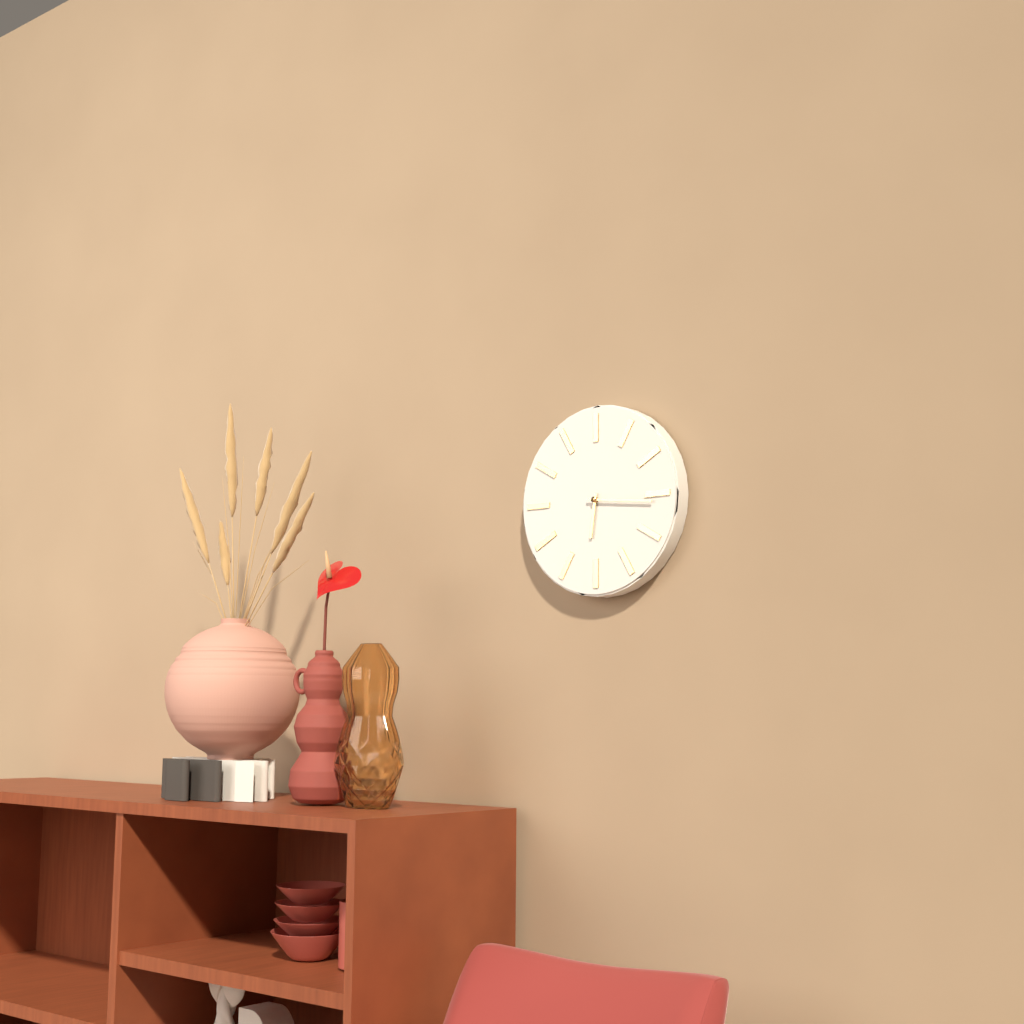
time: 6:16
